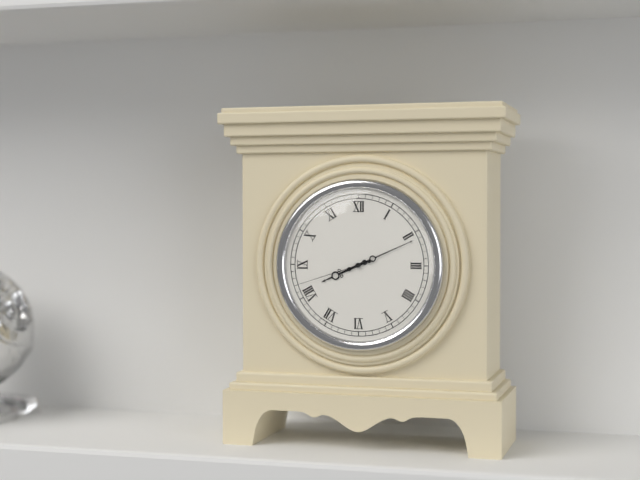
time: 8:11:42
